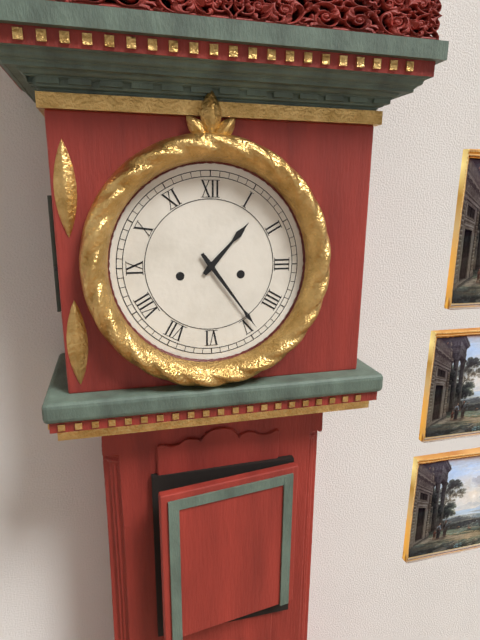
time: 1:24
